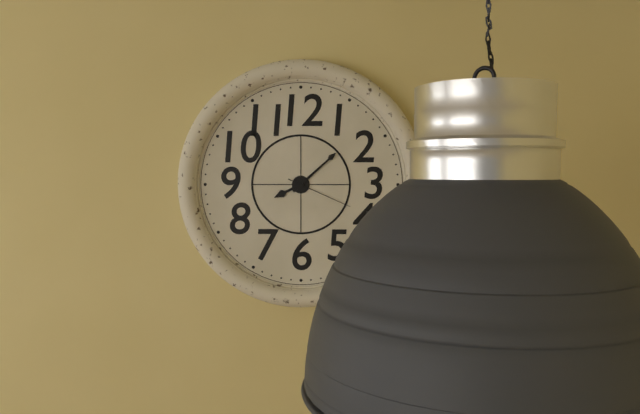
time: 8:08:19
